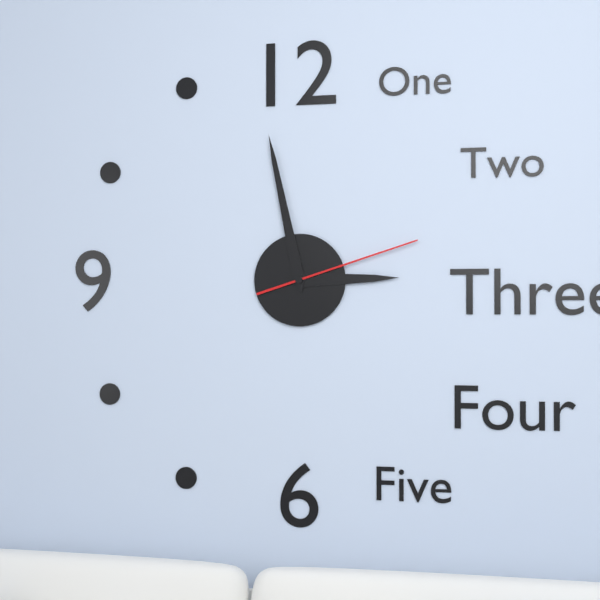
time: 2:58:12
